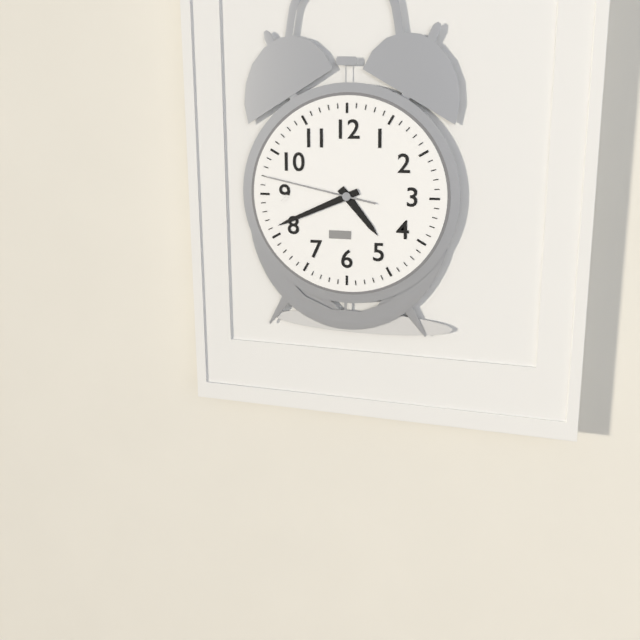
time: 4:41:47
